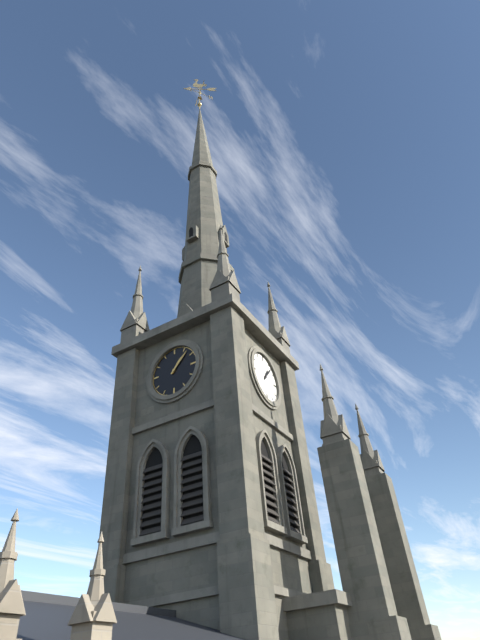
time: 1:07
